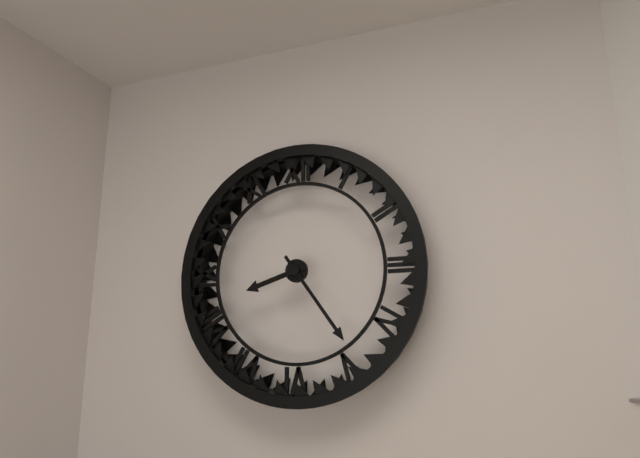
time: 8:24
